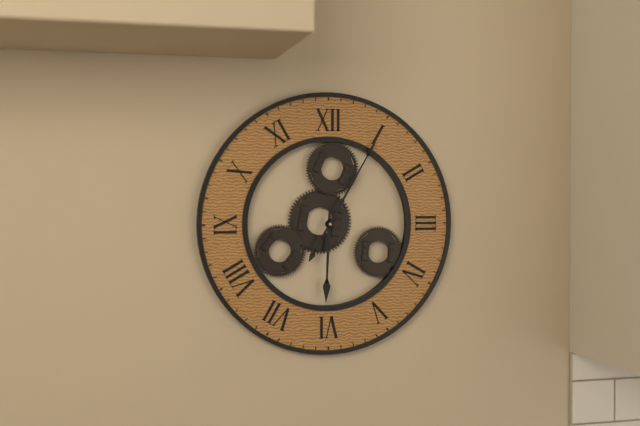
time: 6:05
